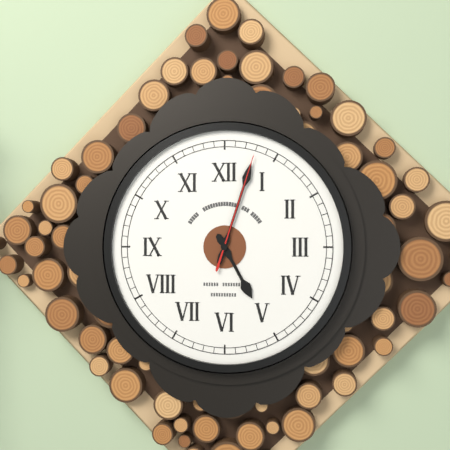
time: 5:03:03
